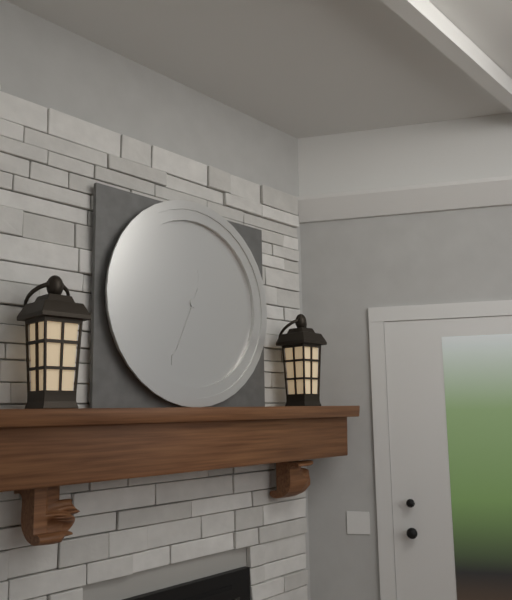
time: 12:34
